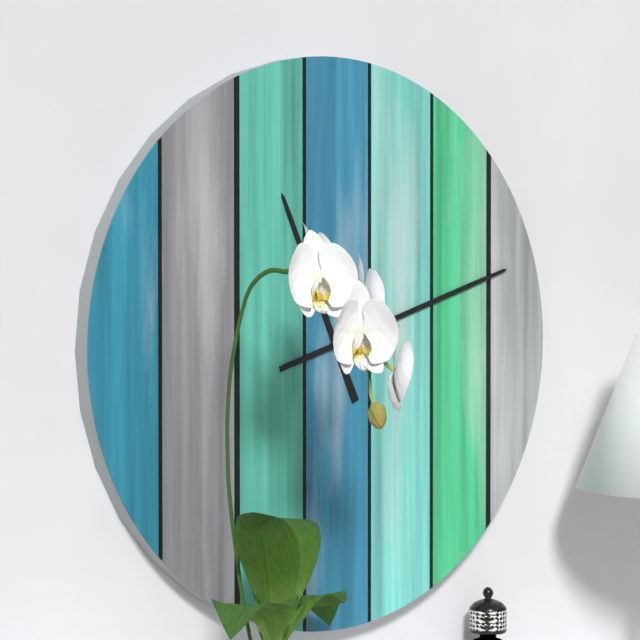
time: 11:12
